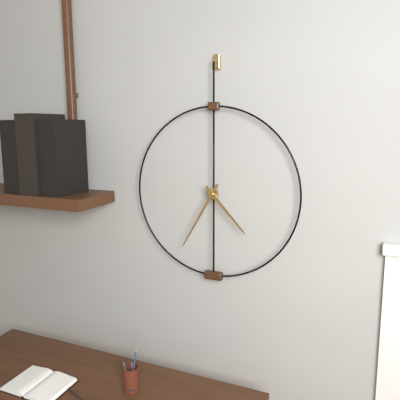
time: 4:35
